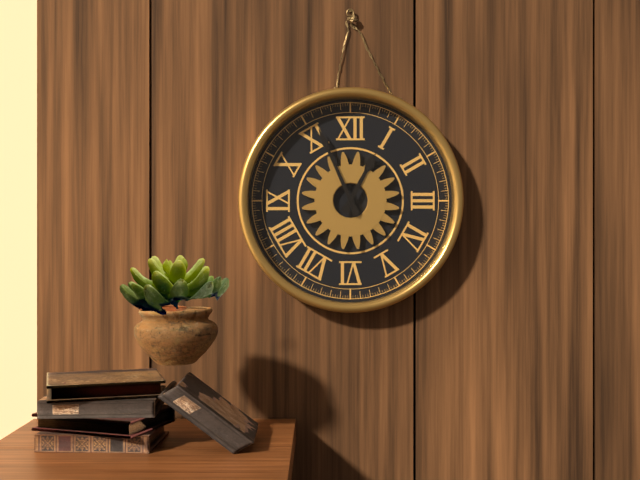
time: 12:56
